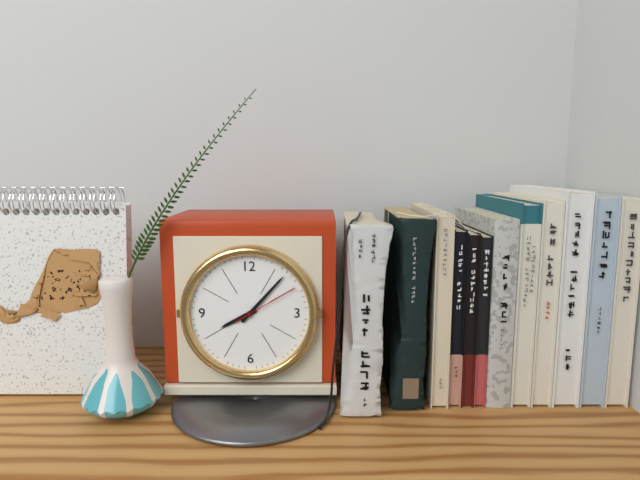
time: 8:07:10
